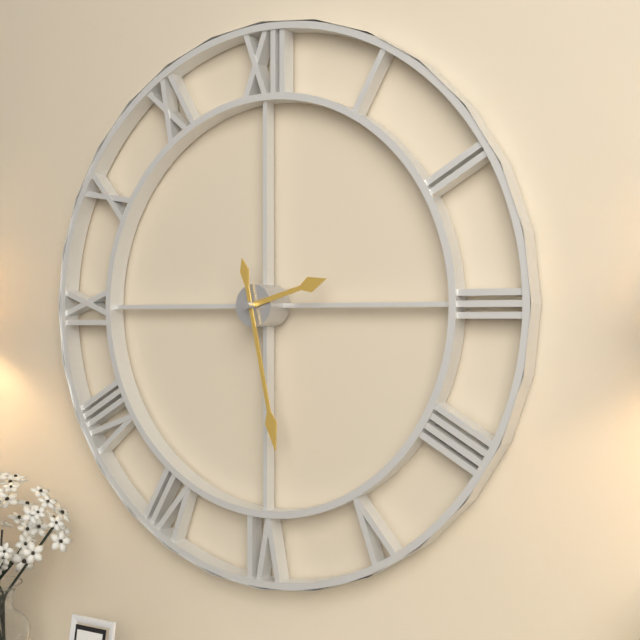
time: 2:28
